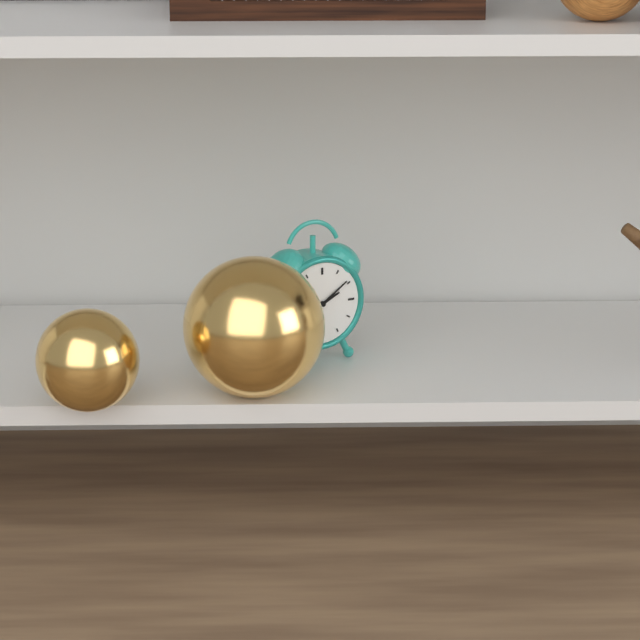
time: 2:09
